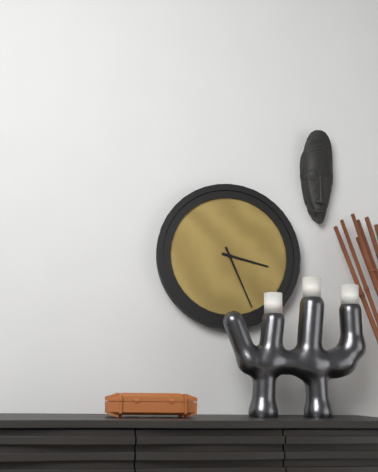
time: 3:26
